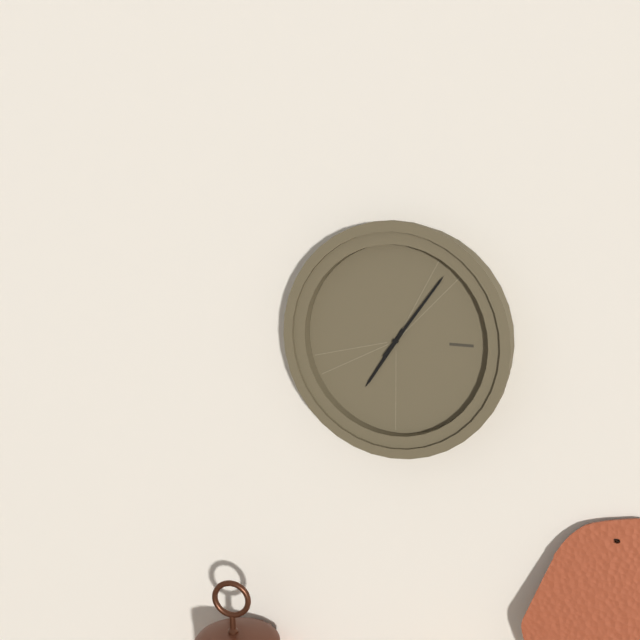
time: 7:06
